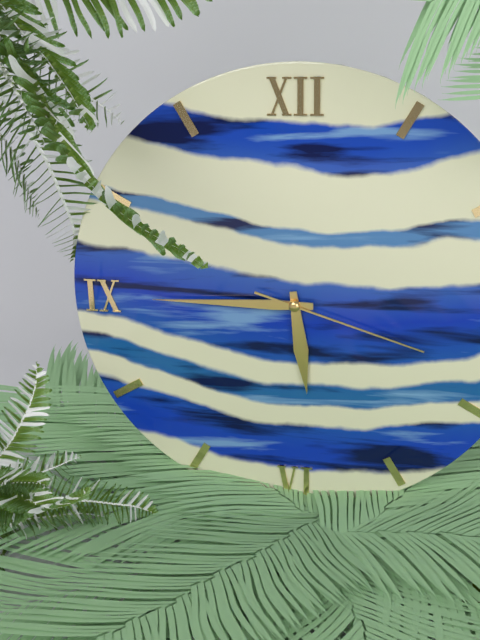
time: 5:45:18
